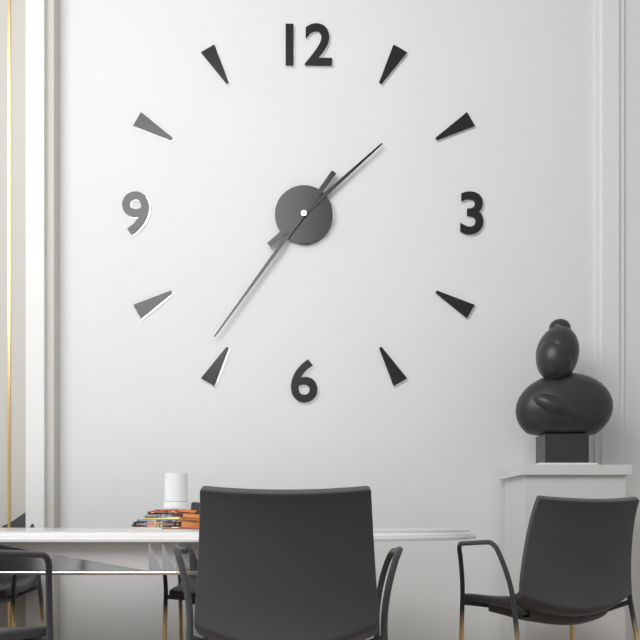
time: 1:36
